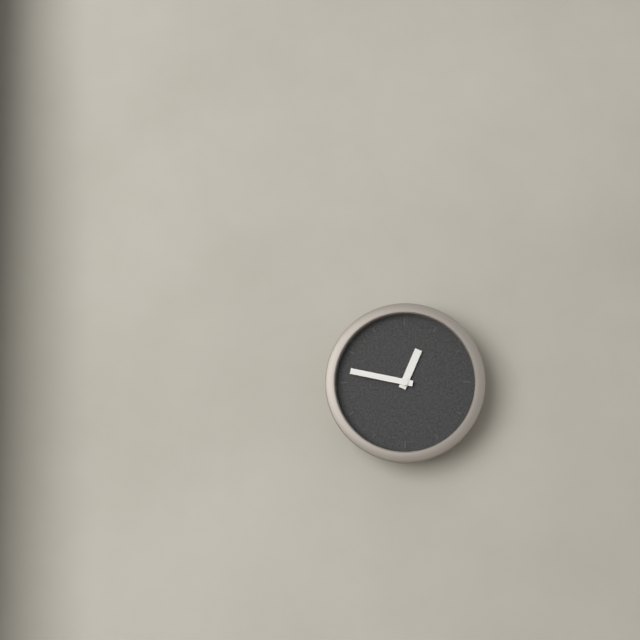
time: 12:47
